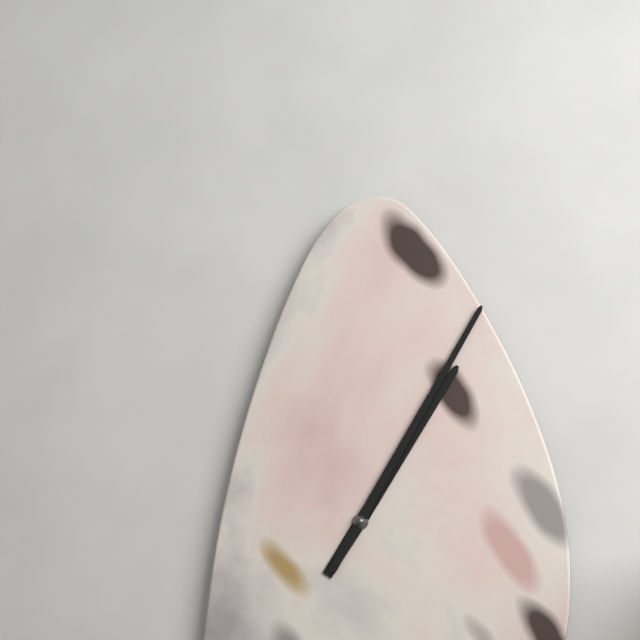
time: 1:05
